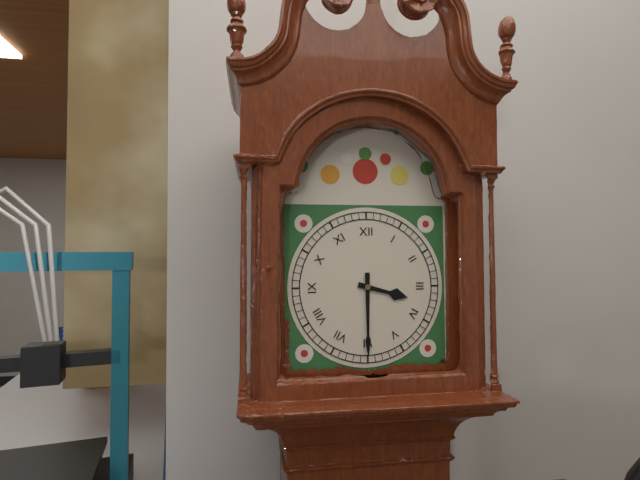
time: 3:30
